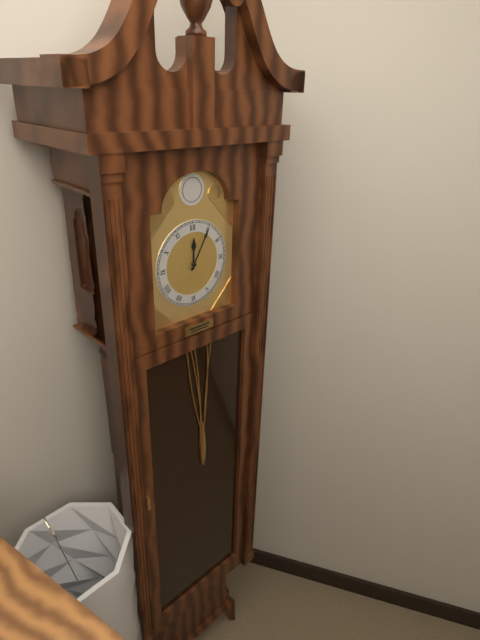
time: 12:05
